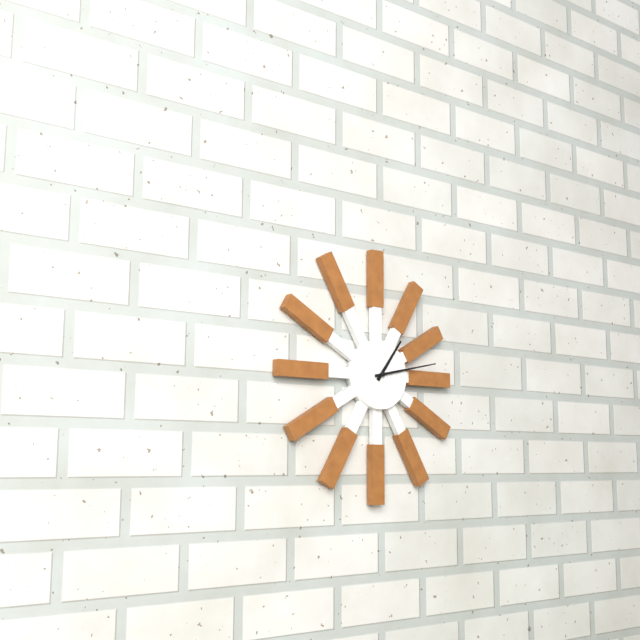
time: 1:13
